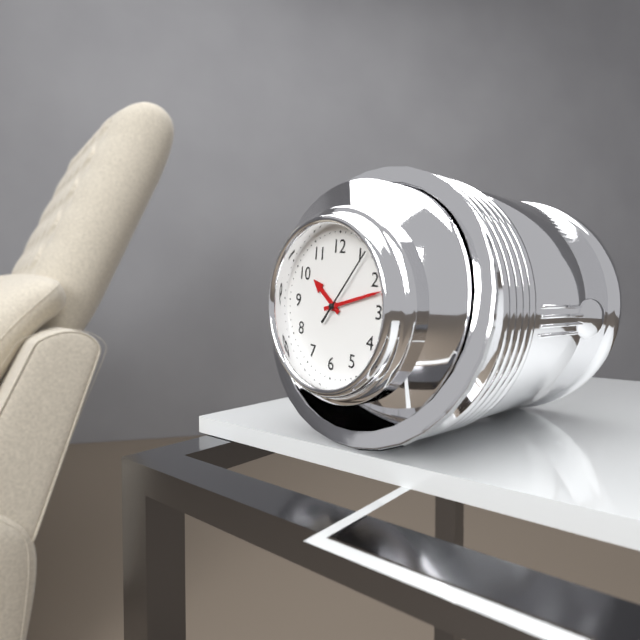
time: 10:12:06
